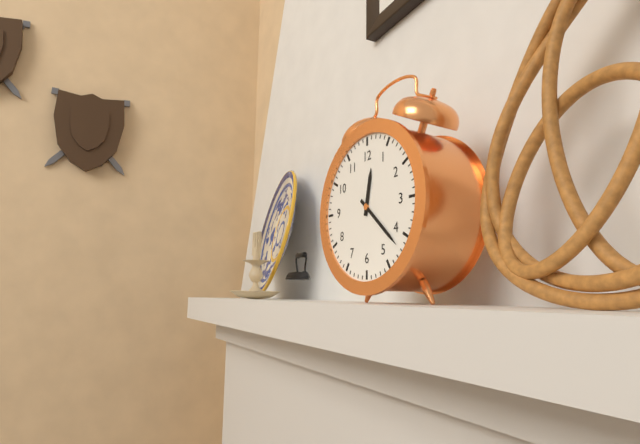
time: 12:22
